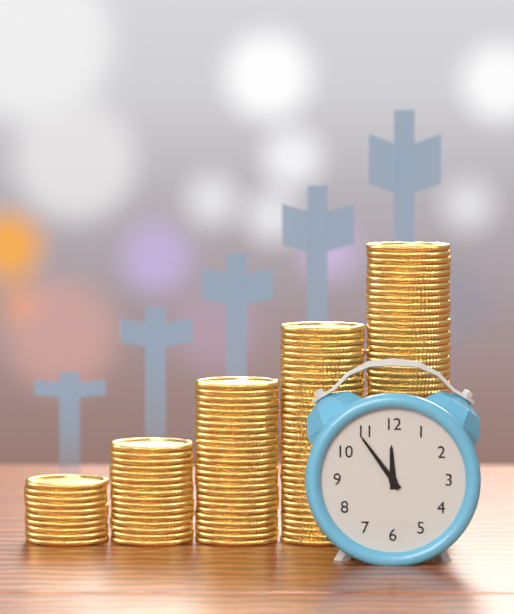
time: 11:54
